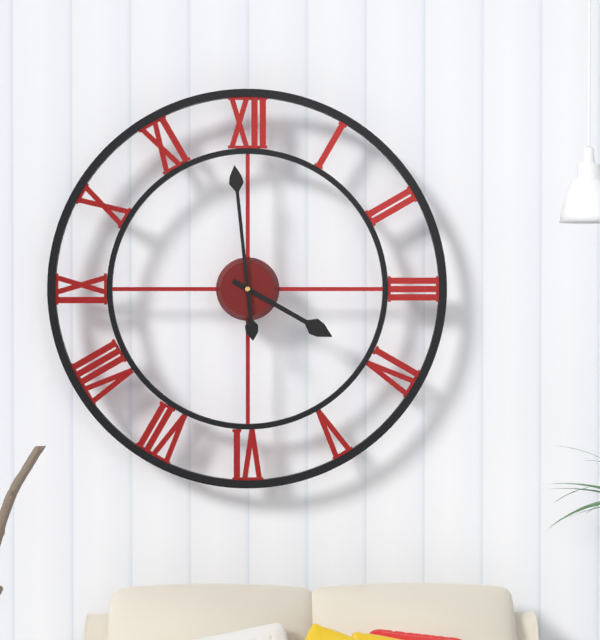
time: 3:59
